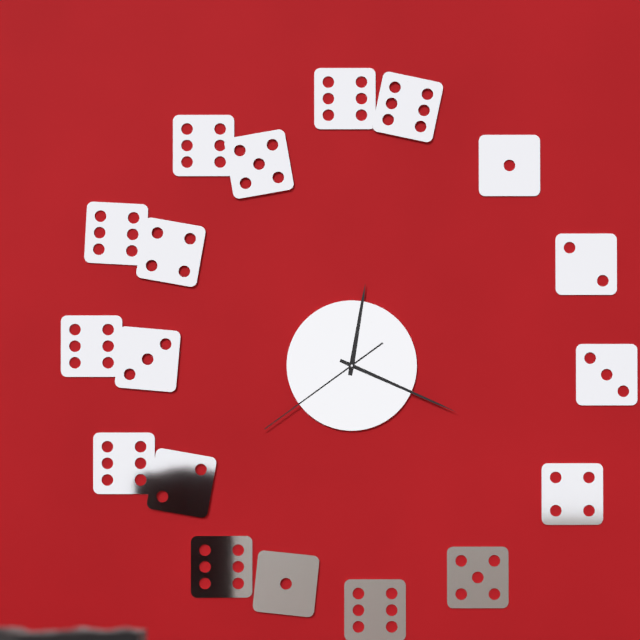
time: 12:19:39
